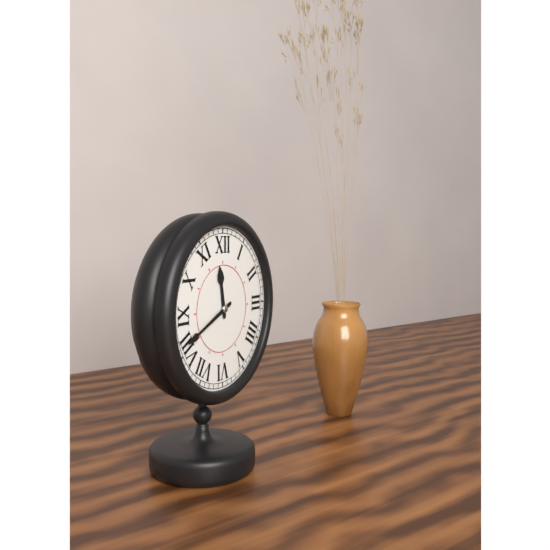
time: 11:41
